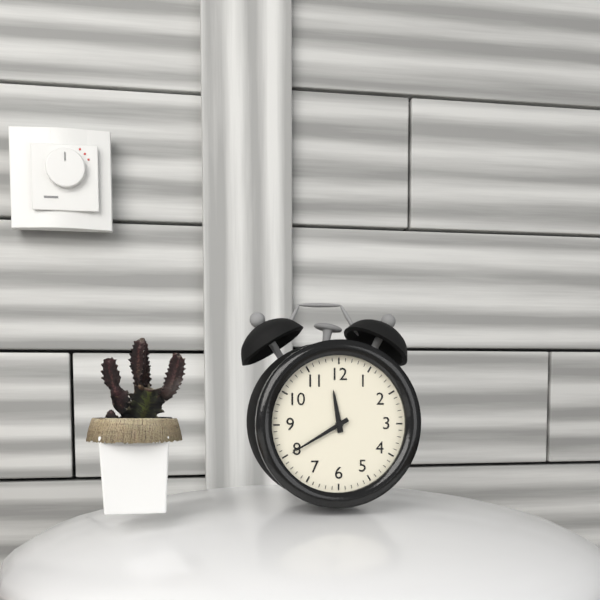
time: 11:40
